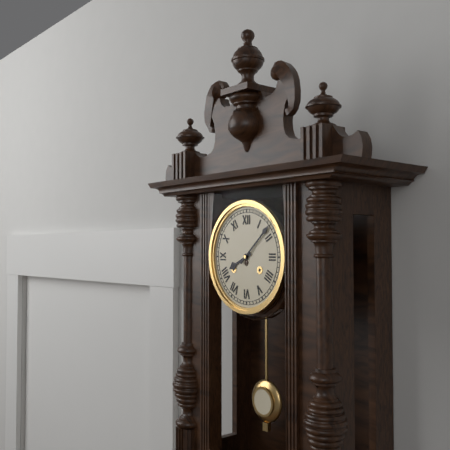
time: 8:08
